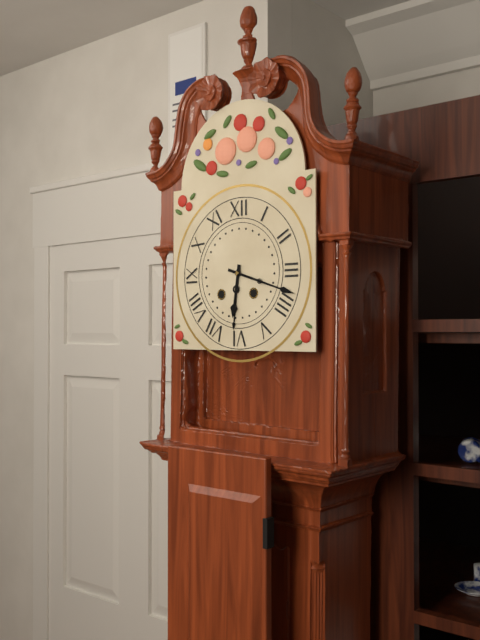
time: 6:18
